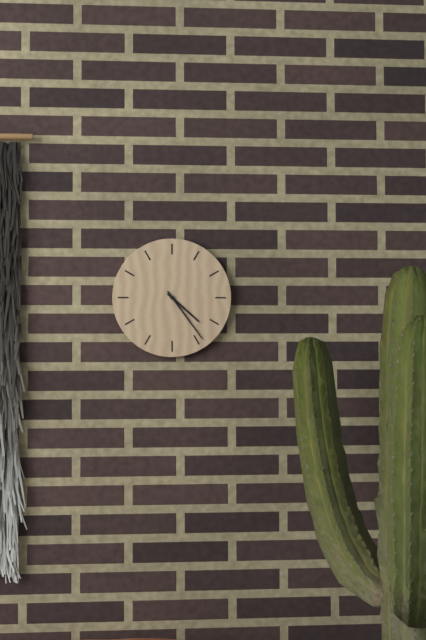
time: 4:24
